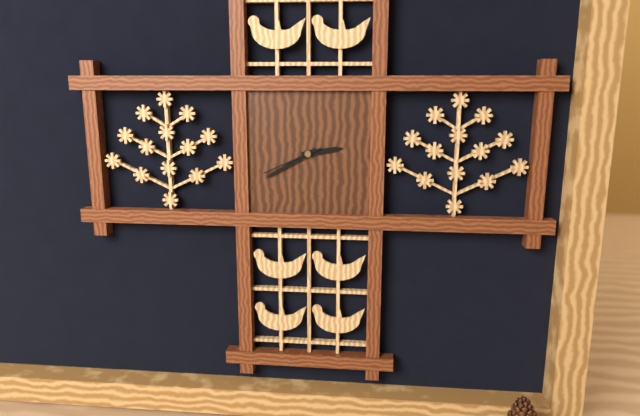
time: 2:40:41
